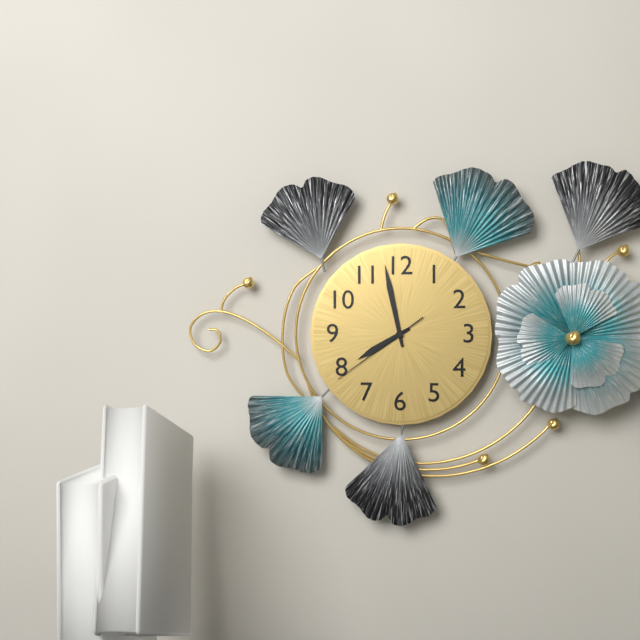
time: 7:58:39
